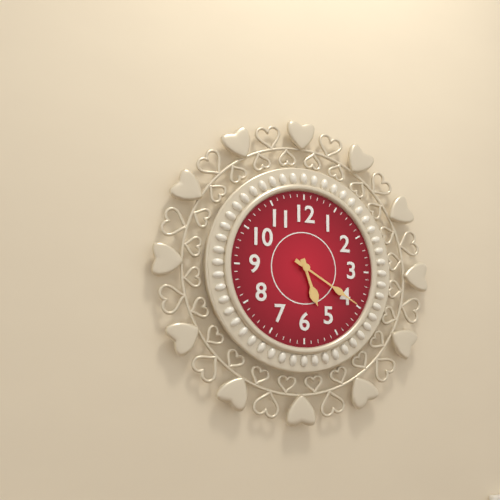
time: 5:20
